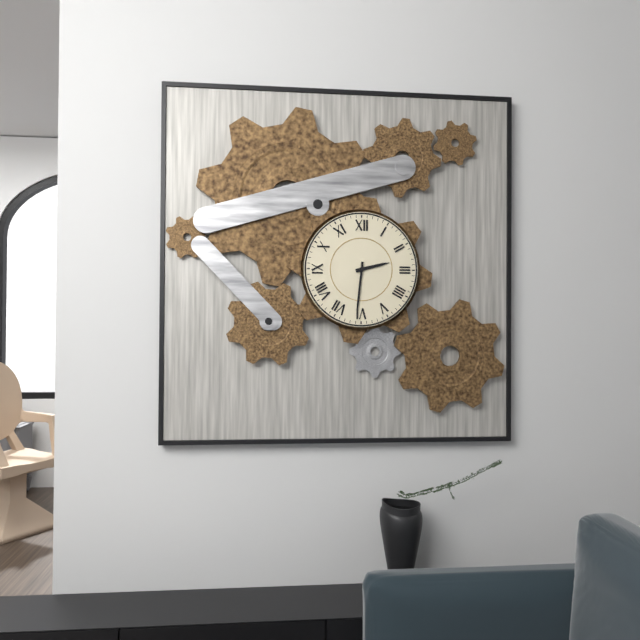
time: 2:31
